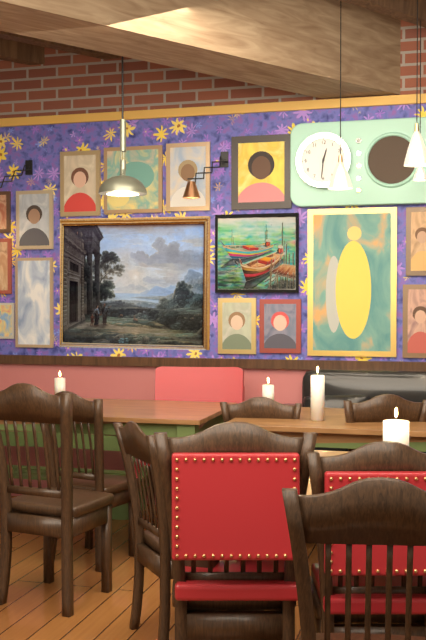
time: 12:31
